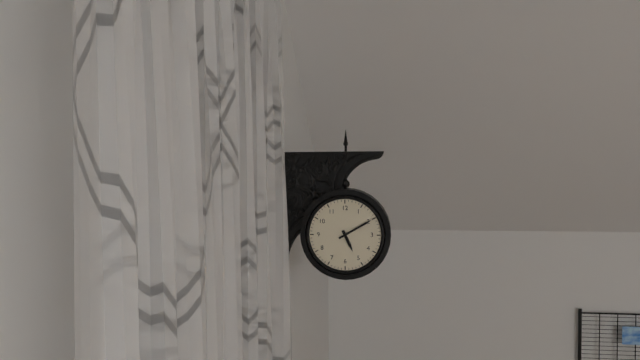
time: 5:10
